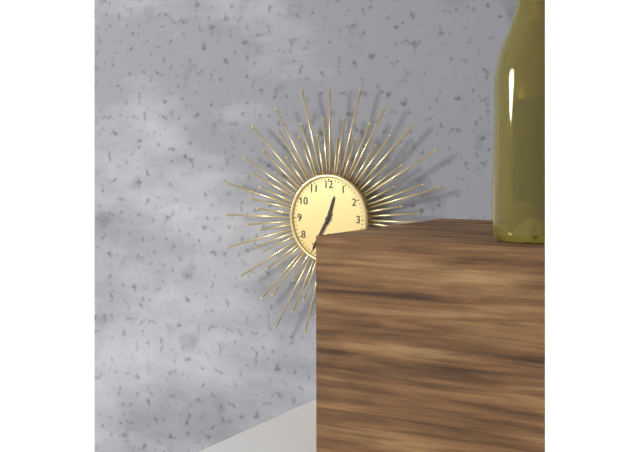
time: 12:35
